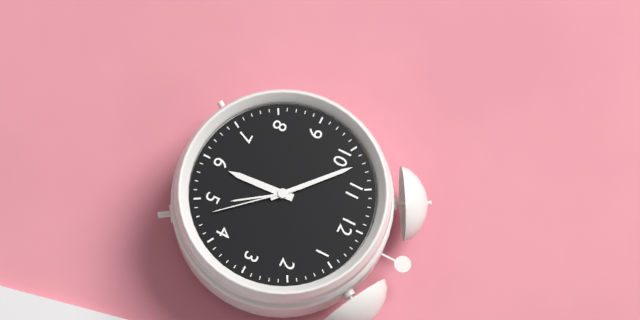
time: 5:52:23
